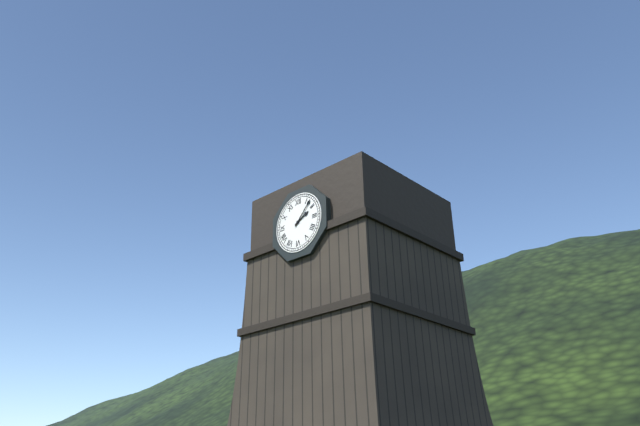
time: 2:07
